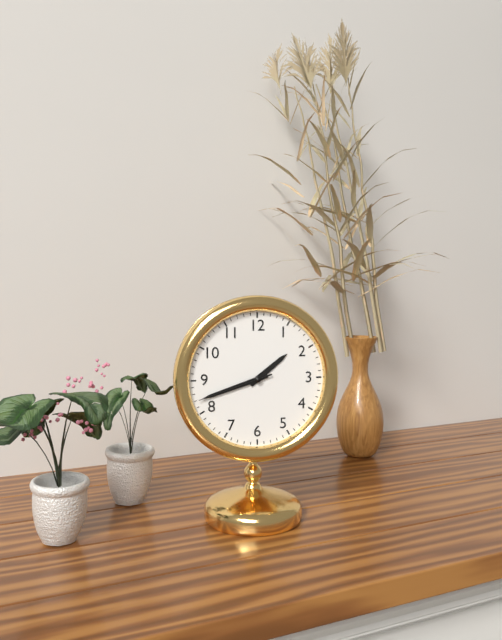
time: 1:42:42
